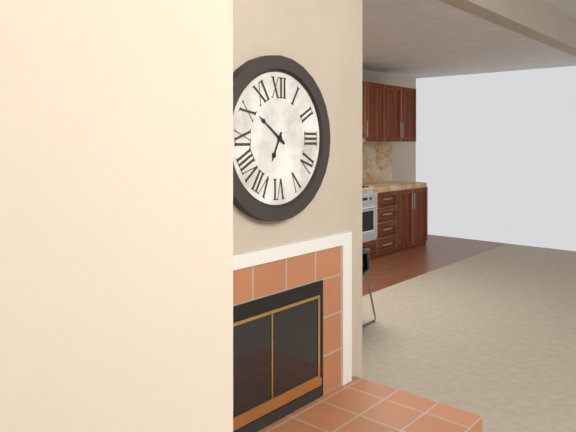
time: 6:51
